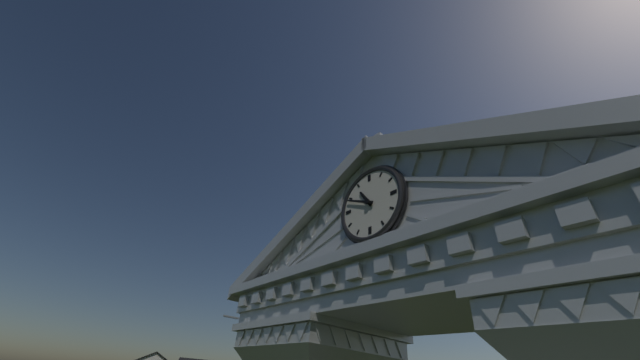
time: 10:49
